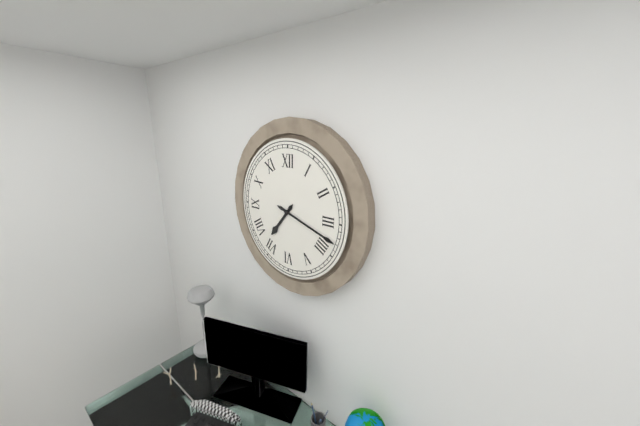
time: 7:18
